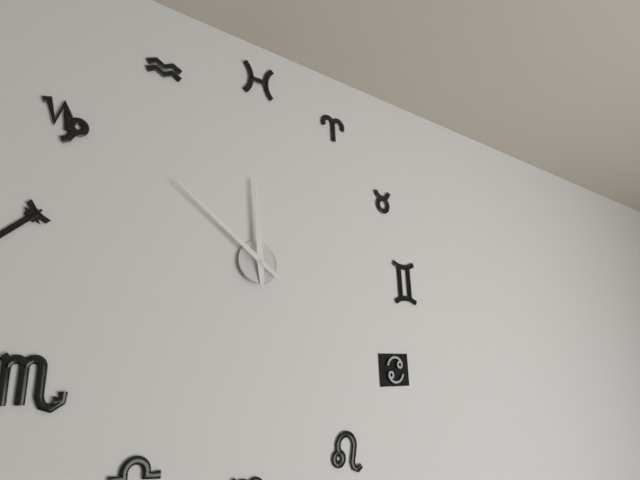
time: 11:51
